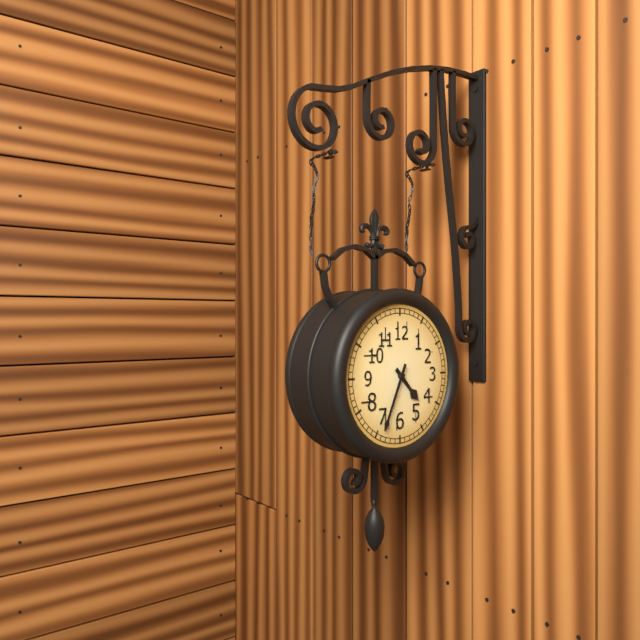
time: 4:34
